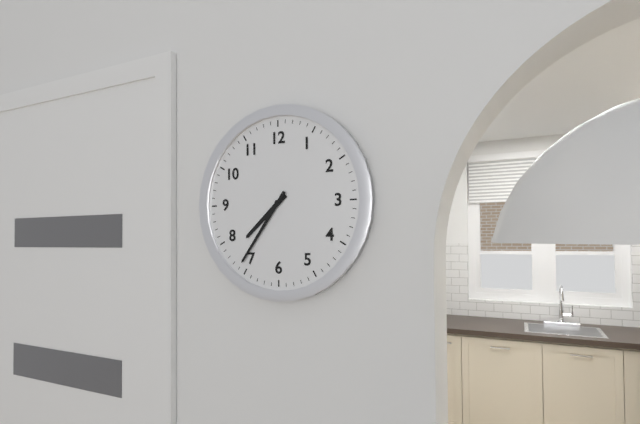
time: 7:36
